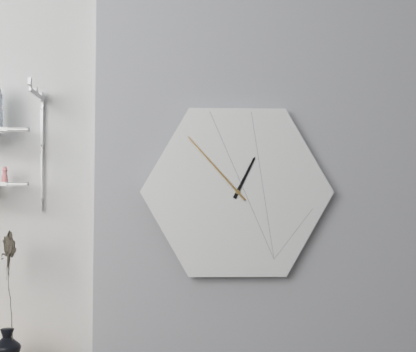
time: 12:53
